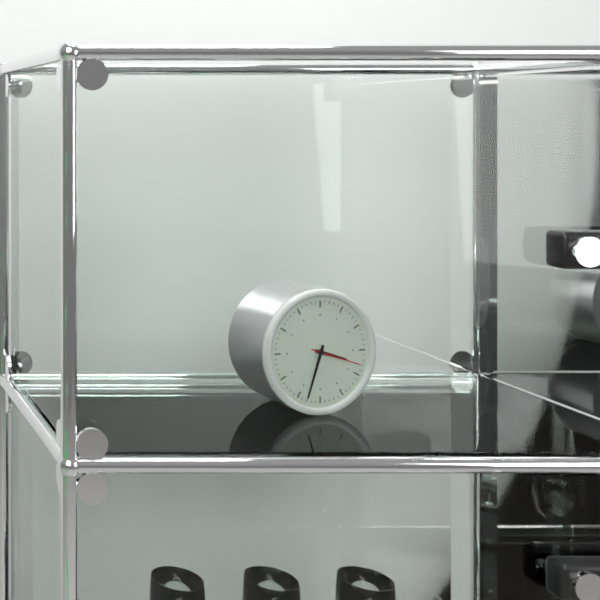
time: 3:33:18
